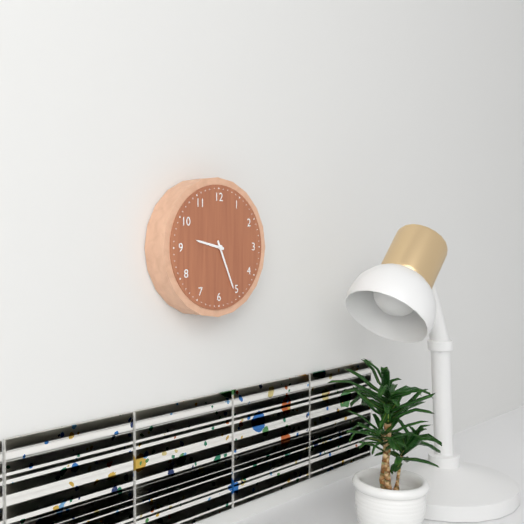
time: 9:26
